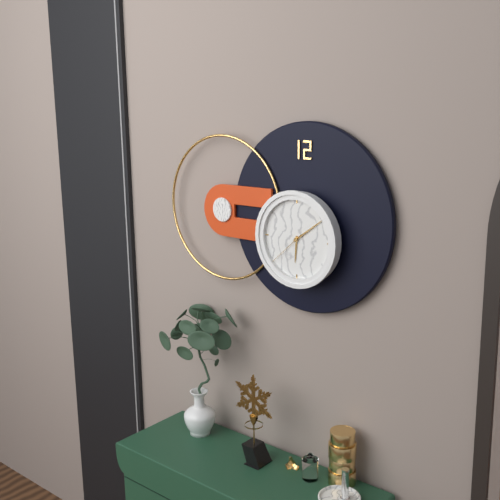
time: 6:09
